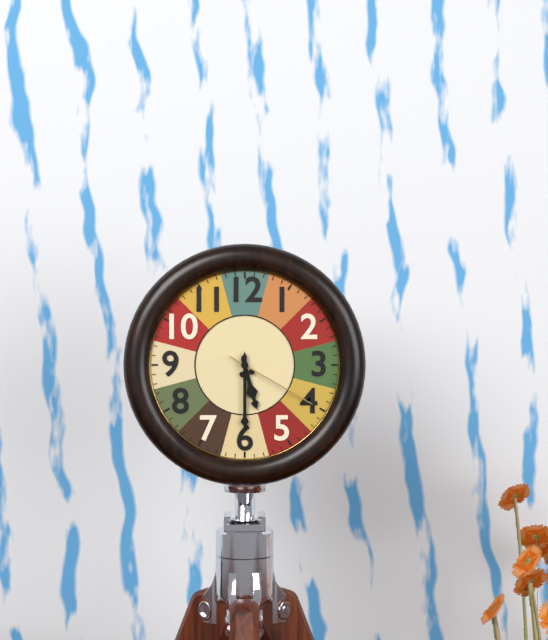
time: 5:30:20
